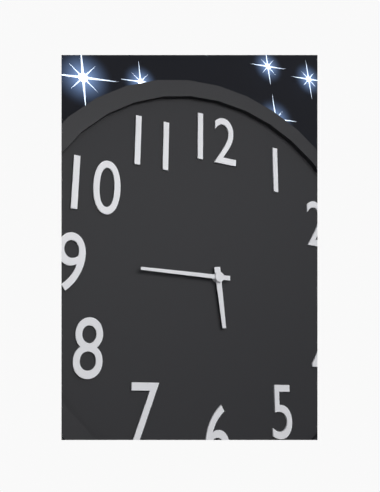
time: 5:45
